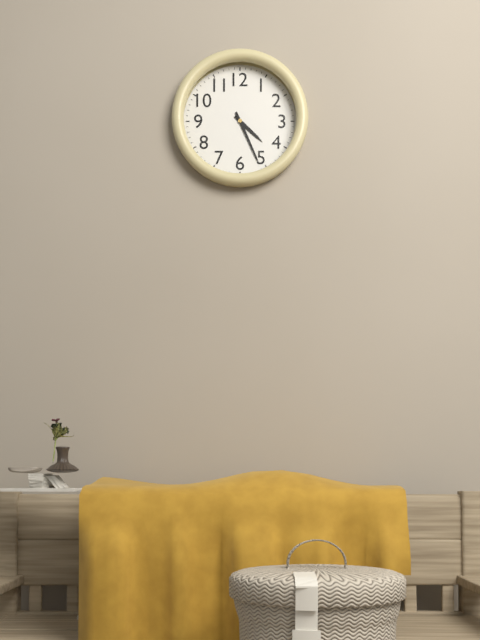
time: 4:26
